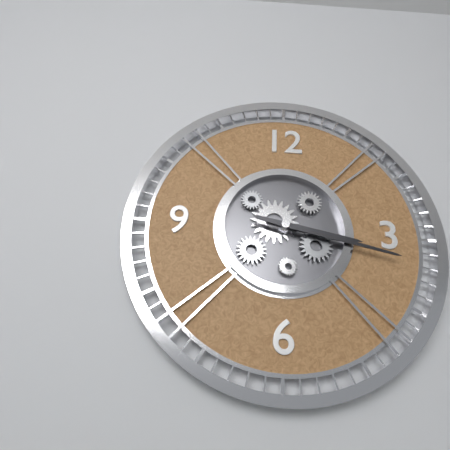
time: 3:17
